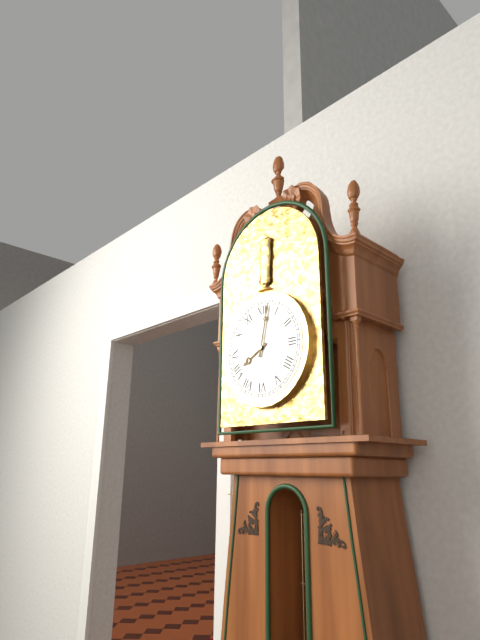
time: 8:02
